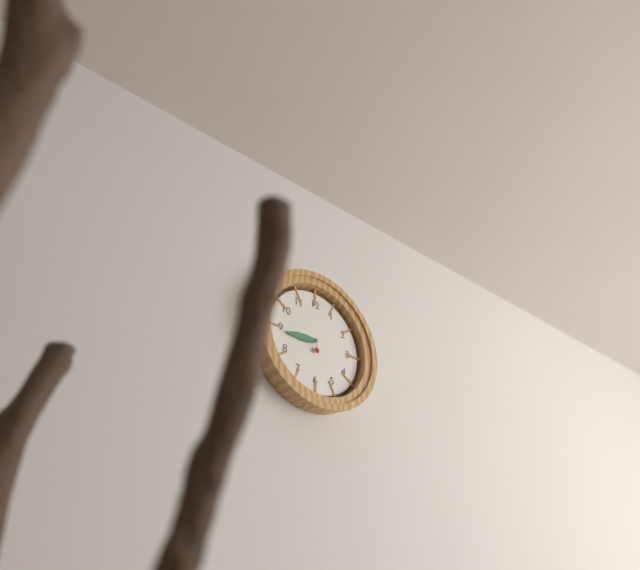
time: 8:44
